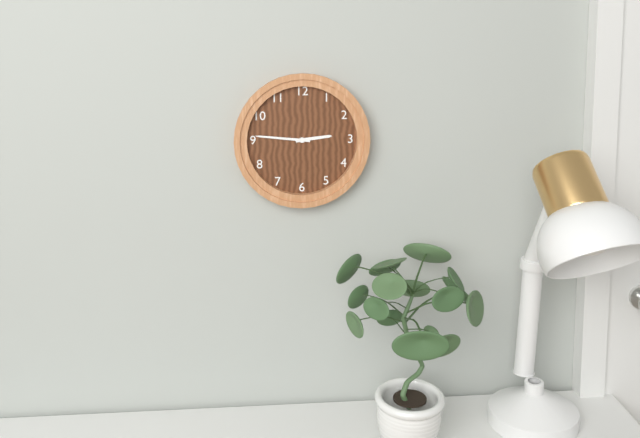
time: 2:46
